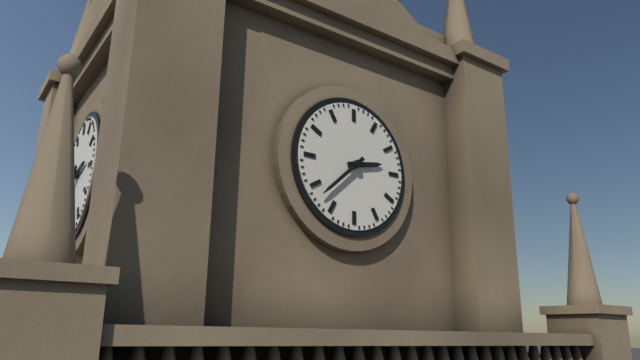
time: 2:38
